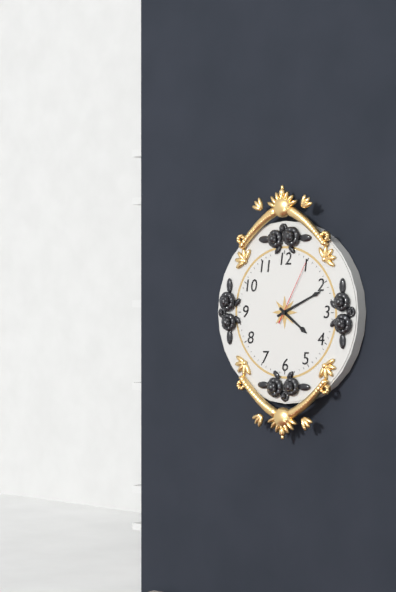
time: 4:11:05
